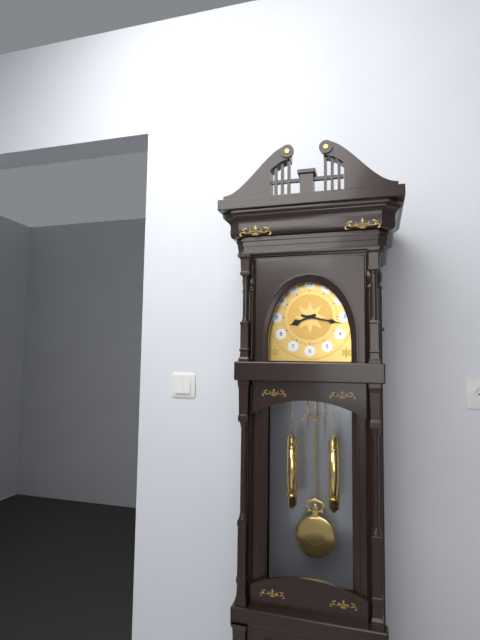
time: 8:17
